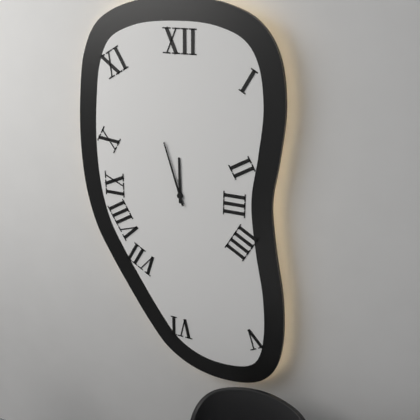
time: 11:57
